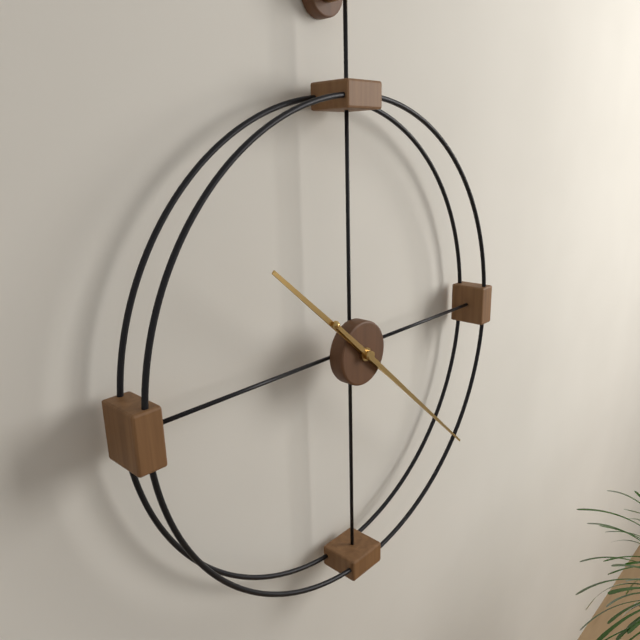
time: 10:22
